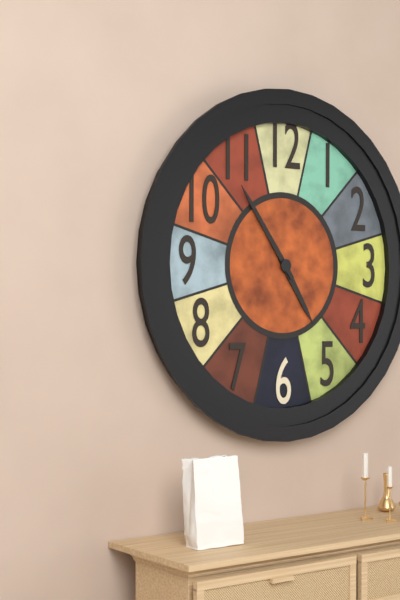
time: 4:54
